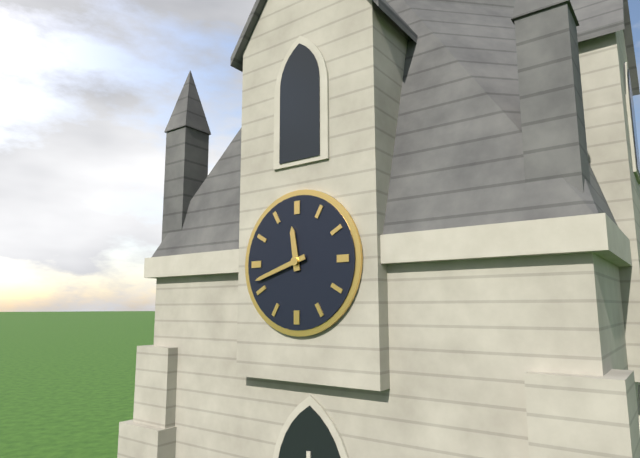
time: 11:42
